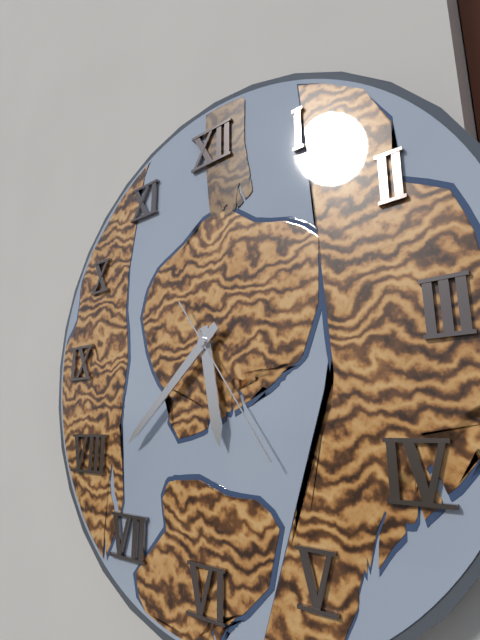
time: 5:38:24
